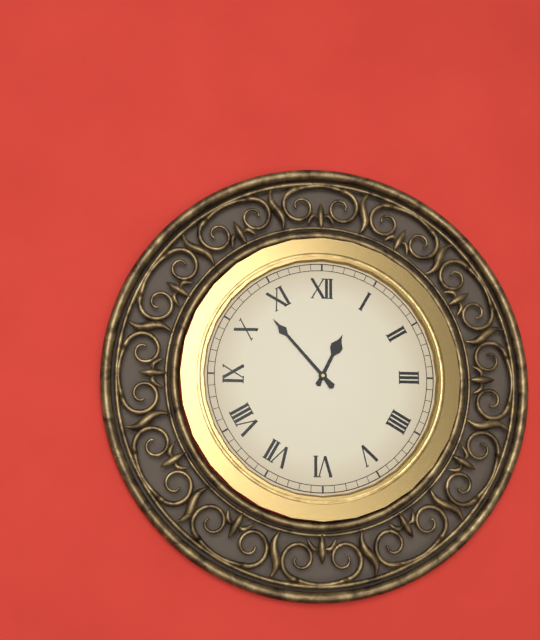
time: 12:53
